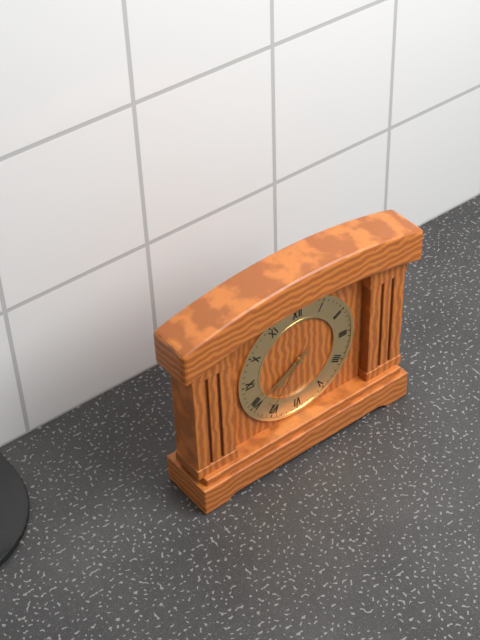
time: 7:40:36
